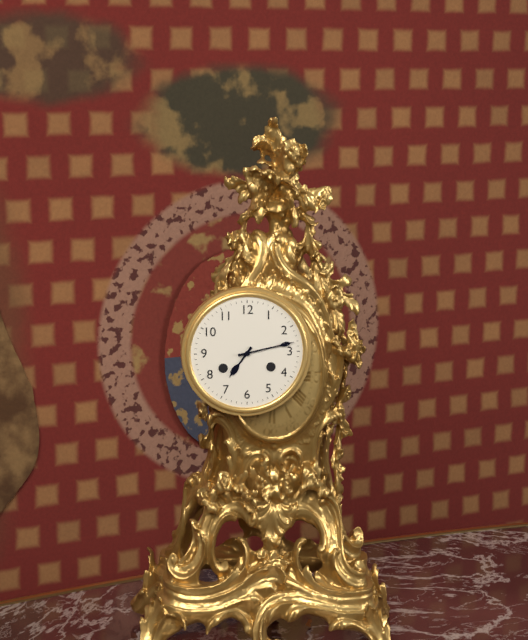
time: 7:13
